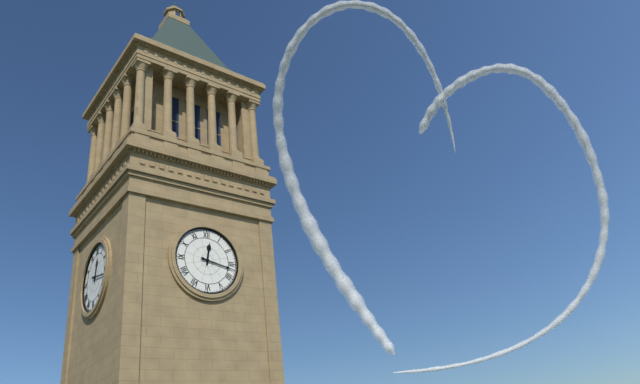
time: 12:17
